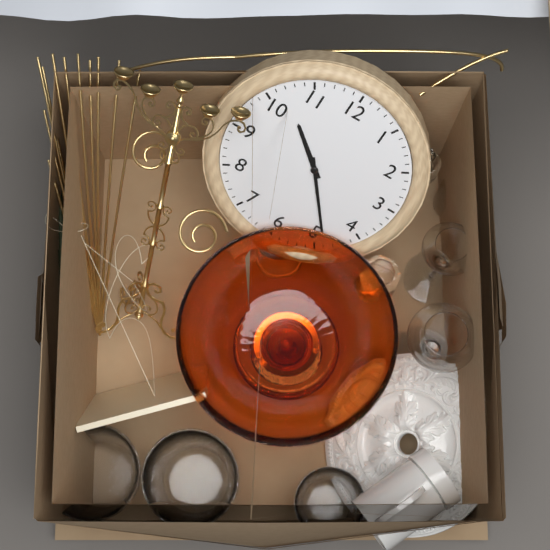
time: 10:24
